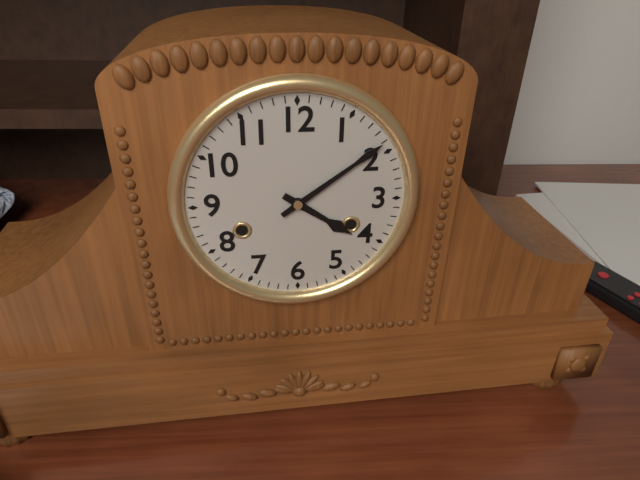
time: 4:09
